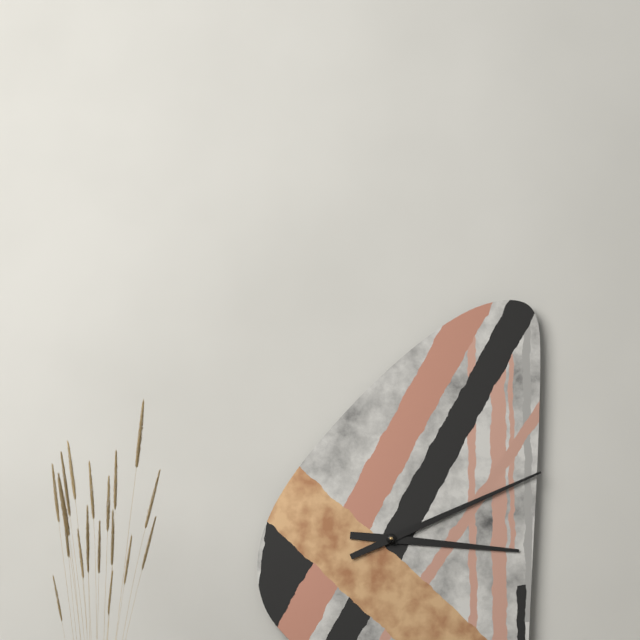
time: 3:11
